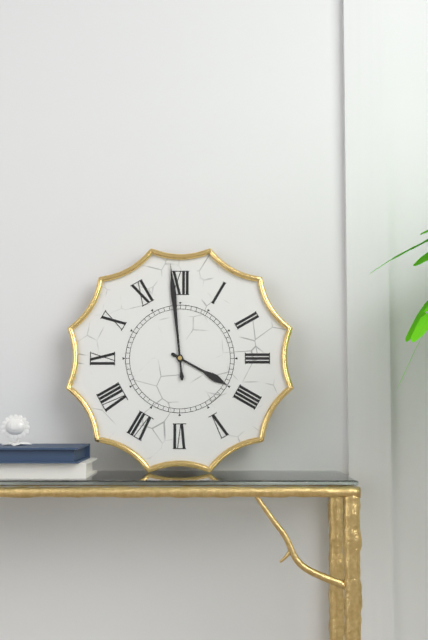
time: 3:59
